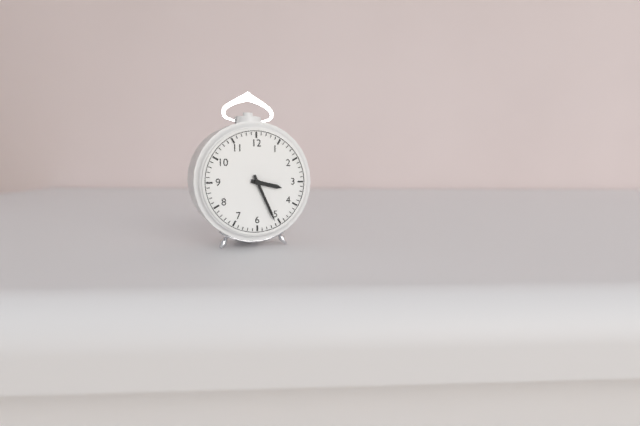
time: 3:26
